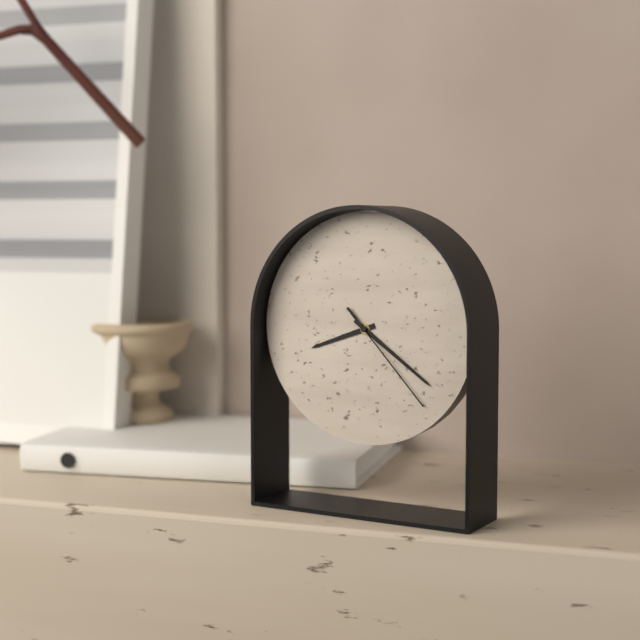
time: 8:21:23
